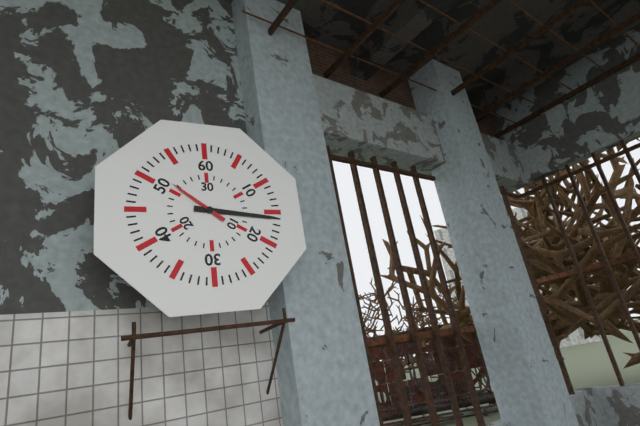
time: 10:16
